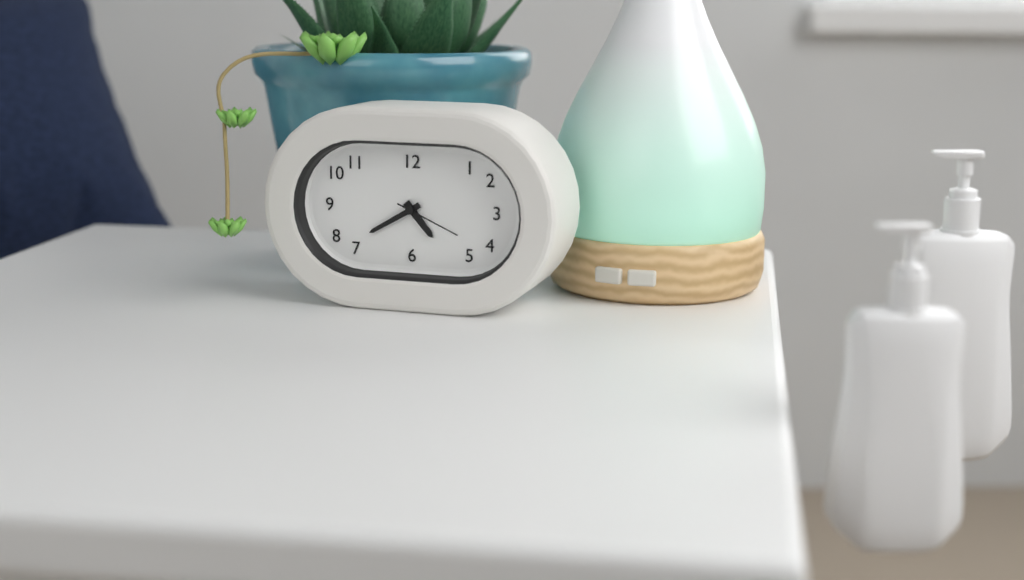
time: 4:40:19
